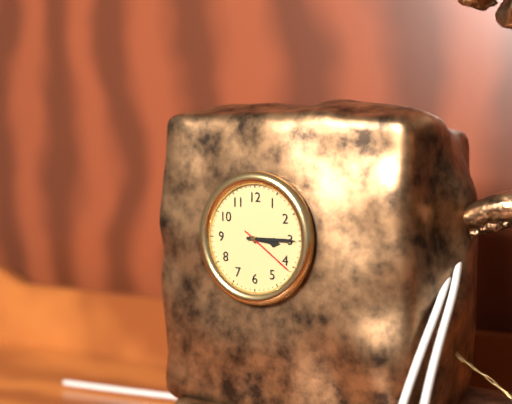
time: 3:15:21
